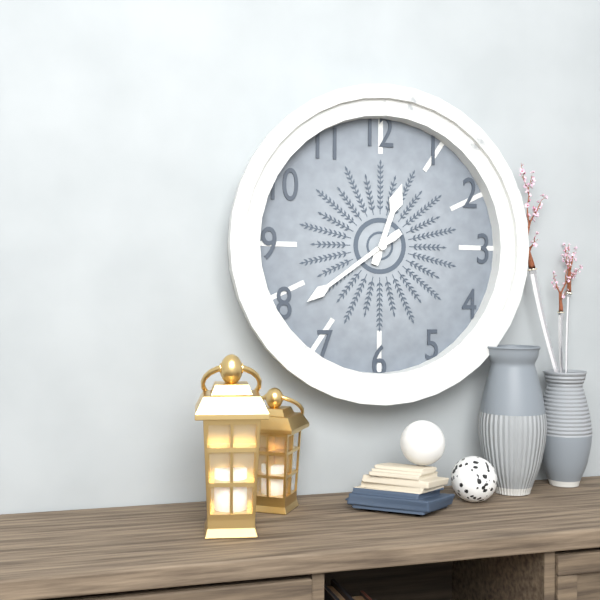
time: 12:39
